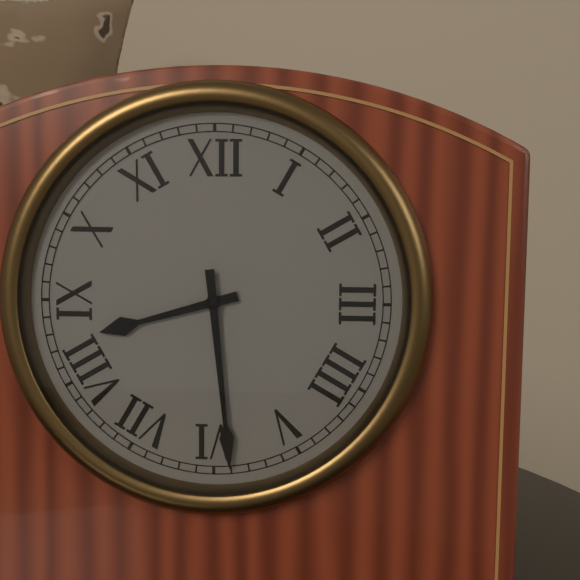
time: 8:29
